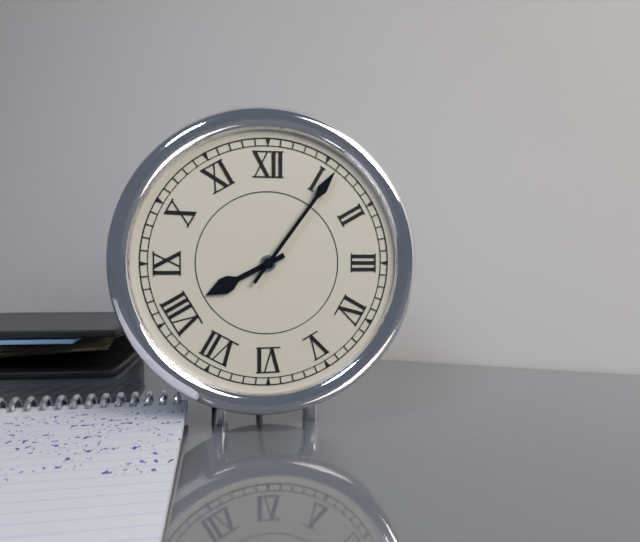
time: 8:06
